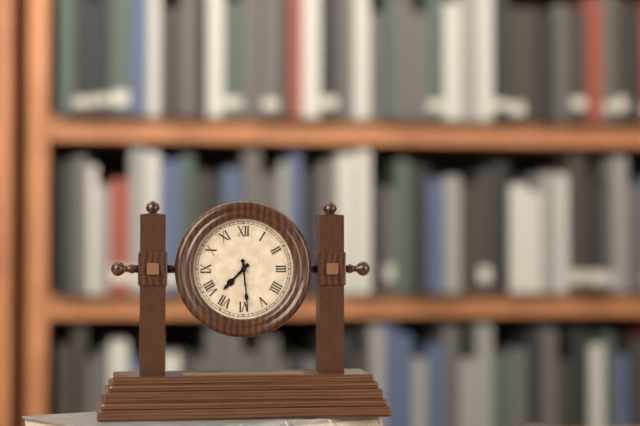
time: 7:29
